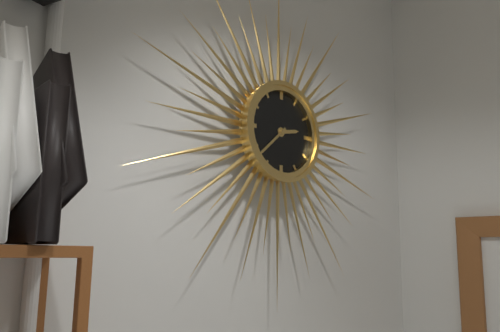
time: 2:38
